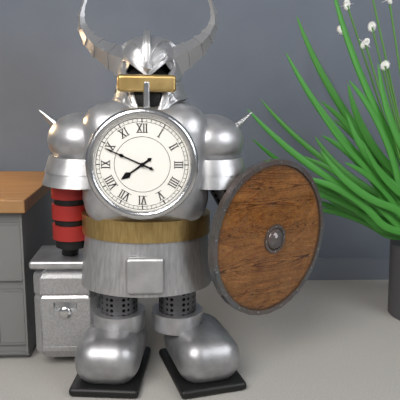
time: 7:49
